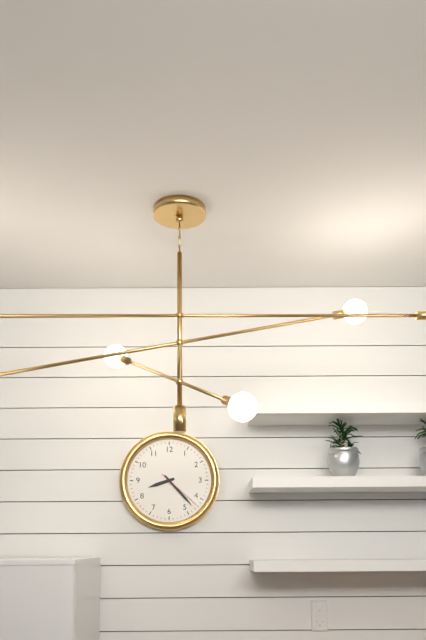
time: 8:23
